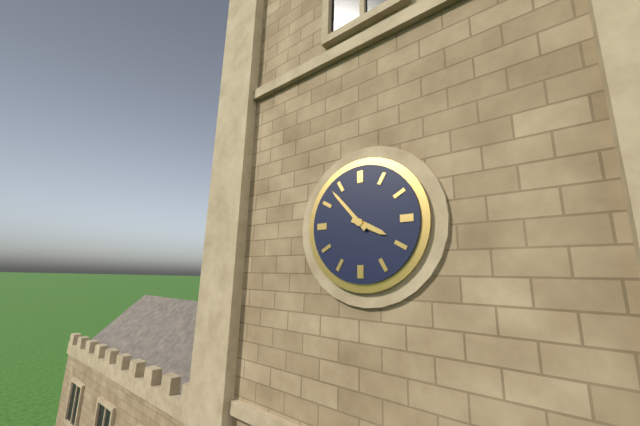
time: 3:53
